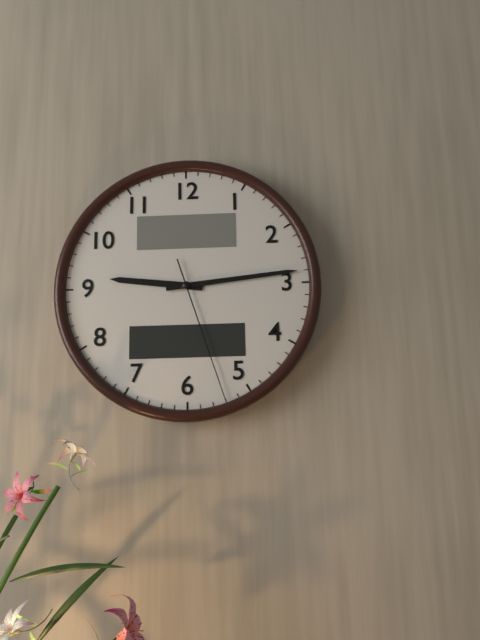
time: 9:14:27
